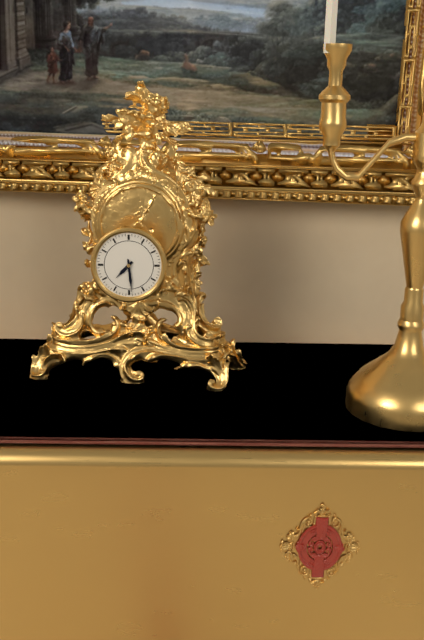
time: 7:29
